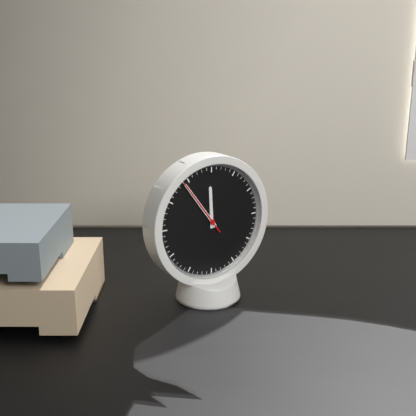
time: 11:54:54
